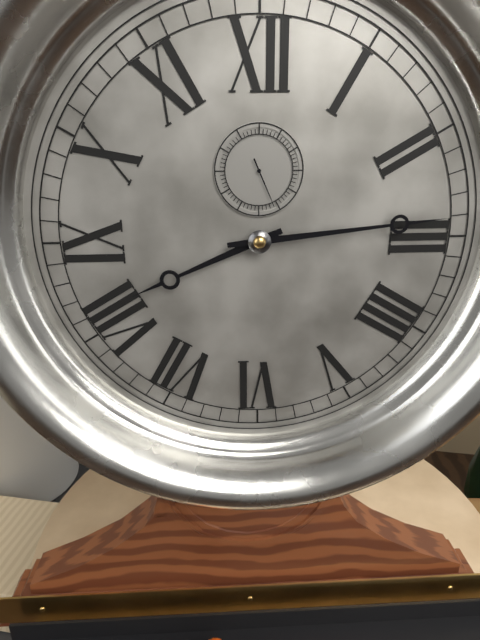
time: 8:14:26
